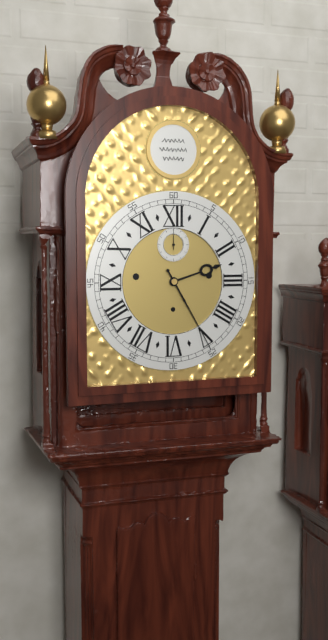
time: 2:25
